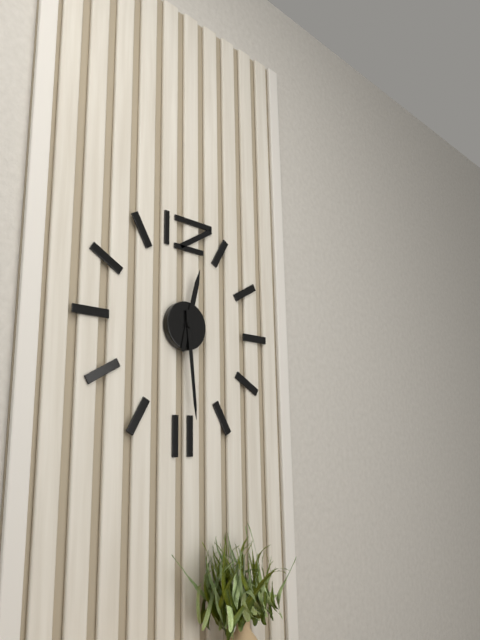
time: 12:29
